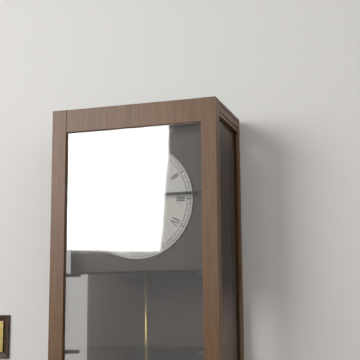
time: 8:30
